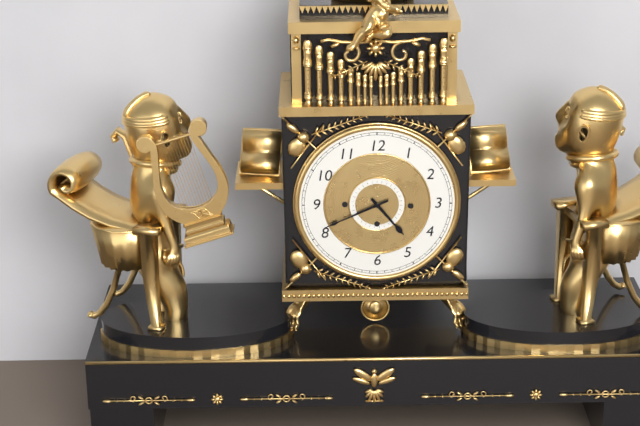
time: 4:41
